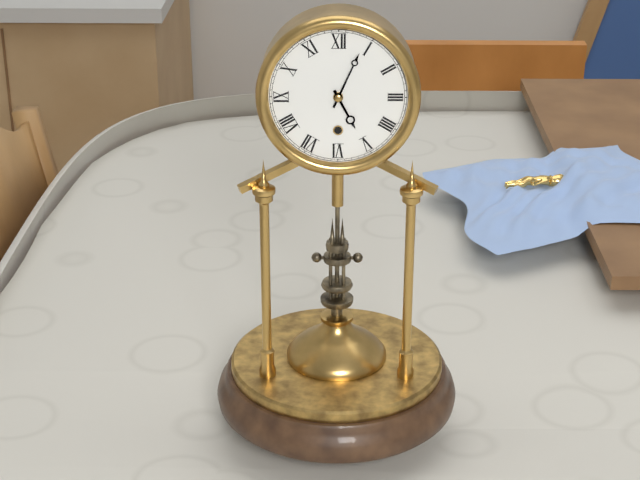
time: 5:04
